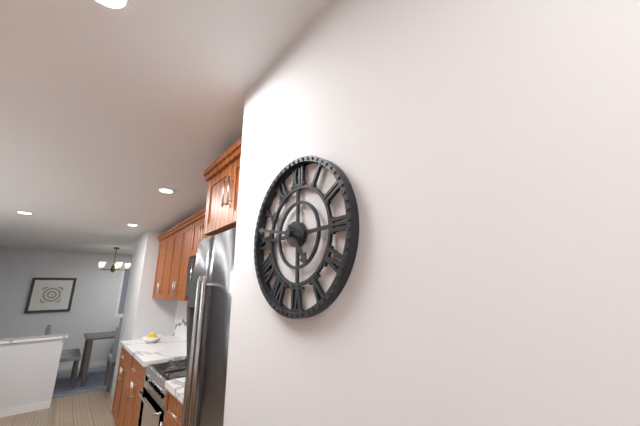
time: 4:47
